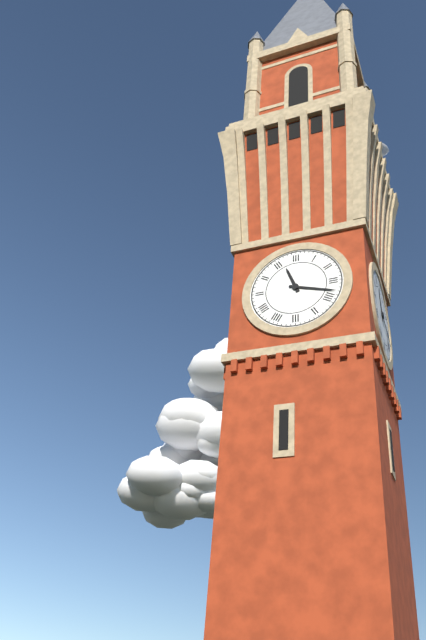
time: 11:18
